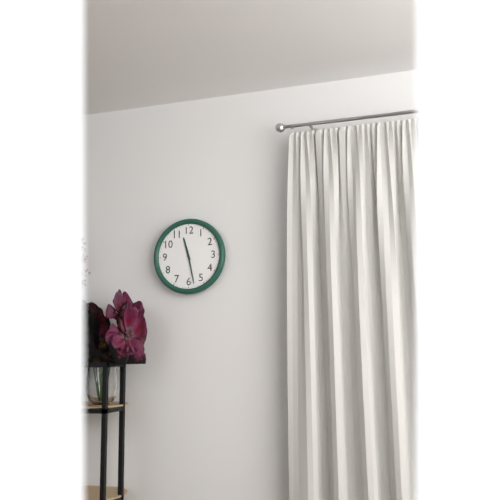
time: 11:28
